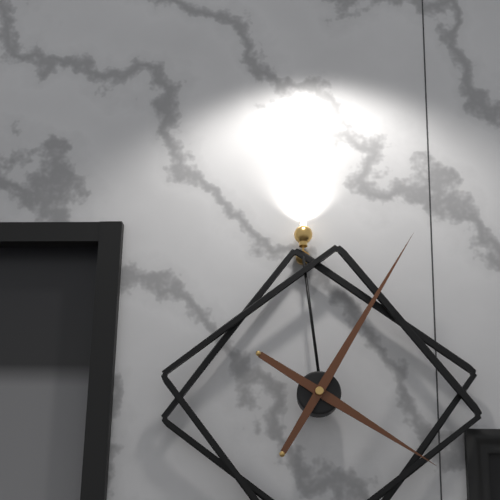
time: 4:05
